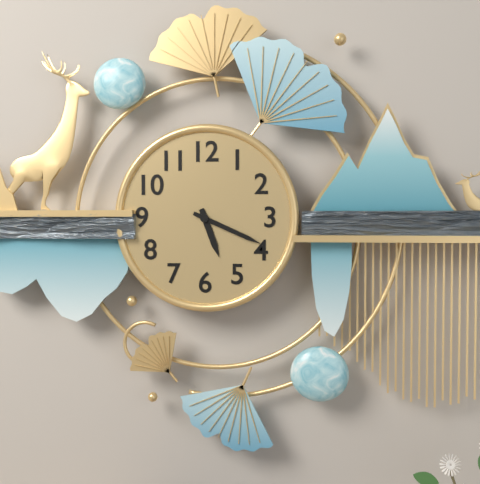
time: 5:19
